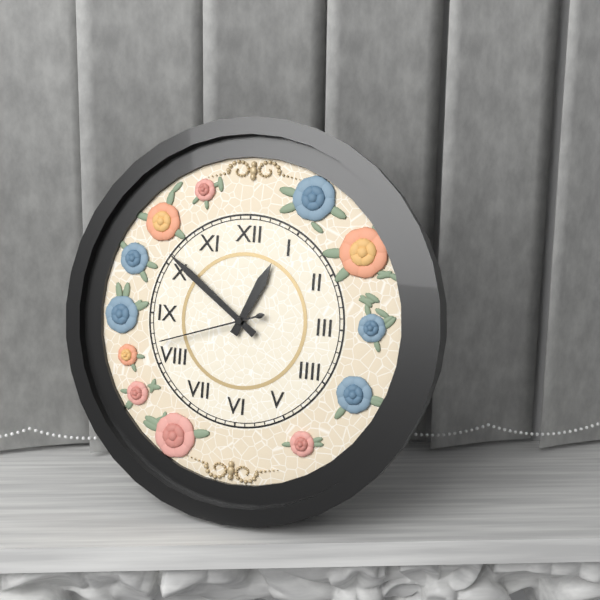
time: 12:51:42
